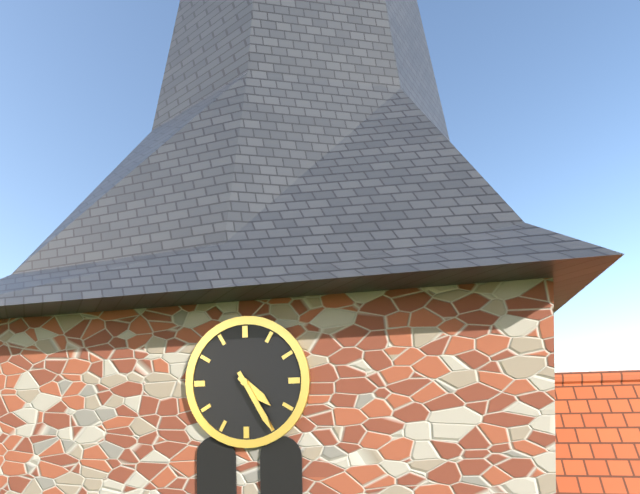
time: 4:25
